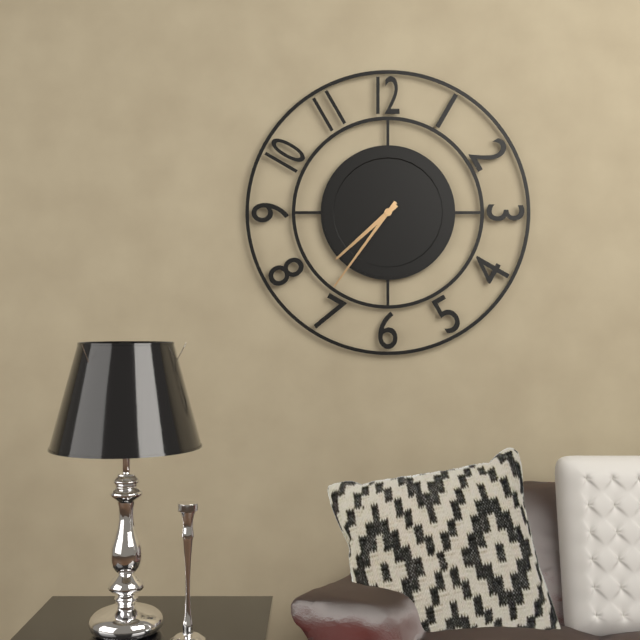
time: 7:36
